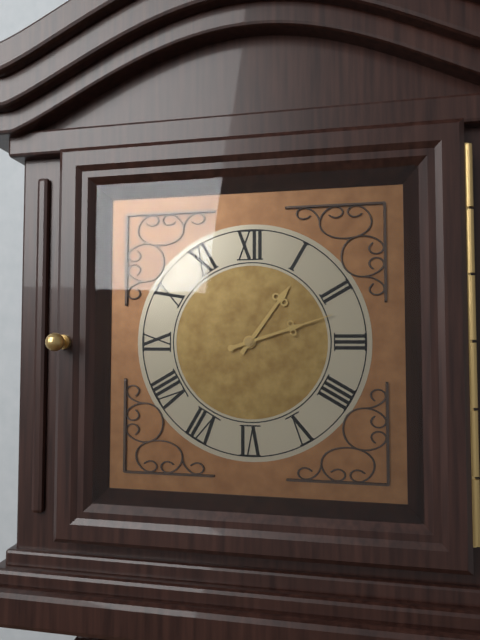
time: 1:12
